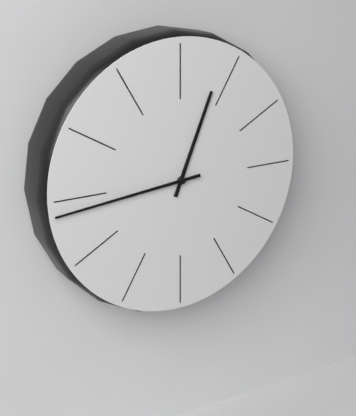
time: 12:44
